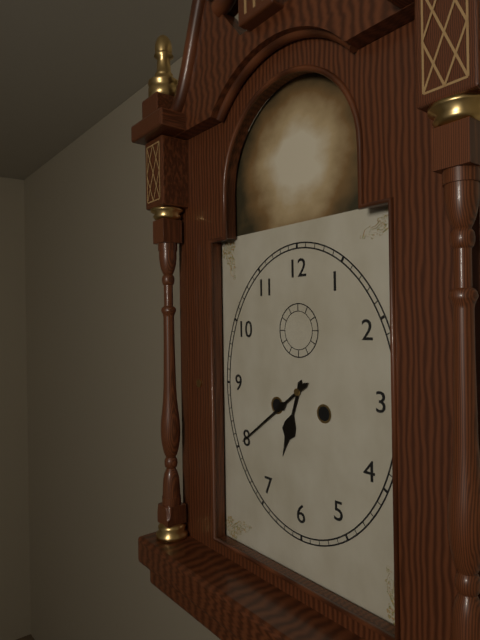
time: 6:39
